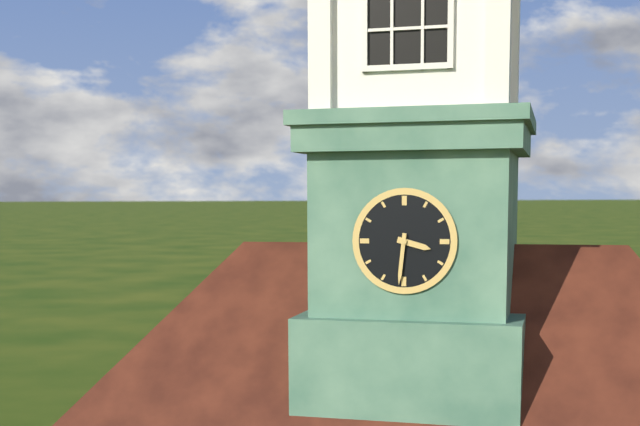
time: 3:31
